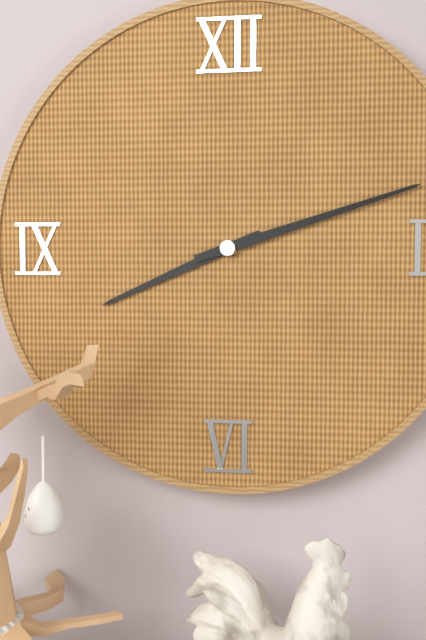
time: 8:12
